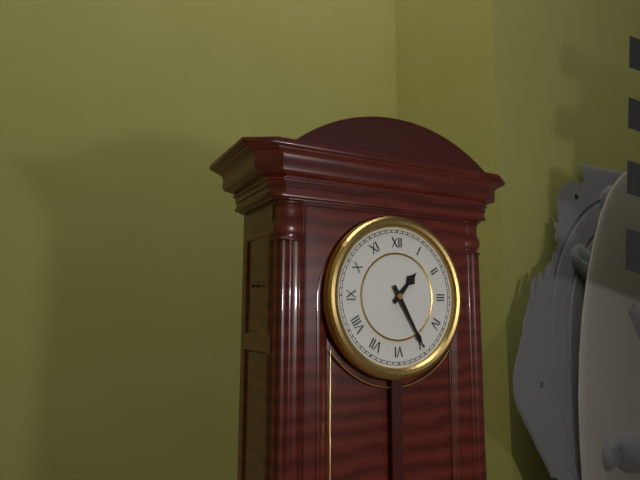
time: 1:25
